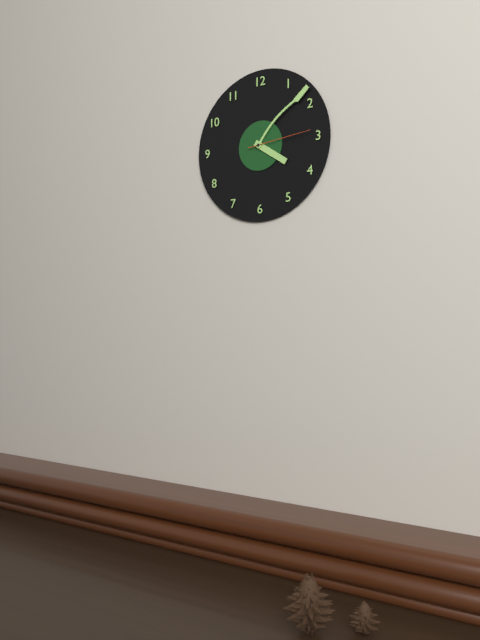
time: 4:08:14
